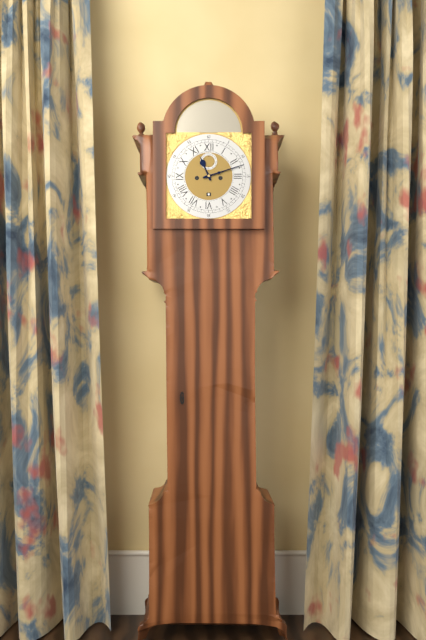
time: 11:12
